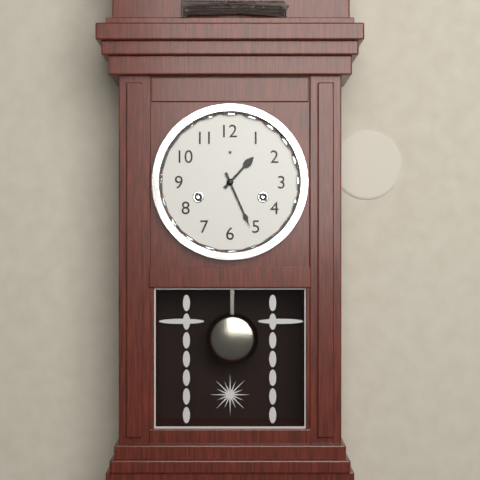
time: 1:26
